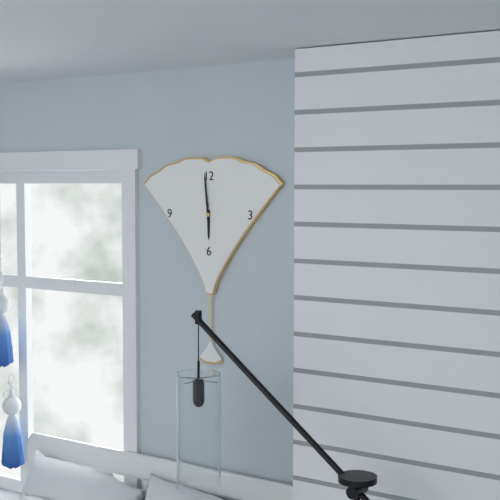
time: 5:59
